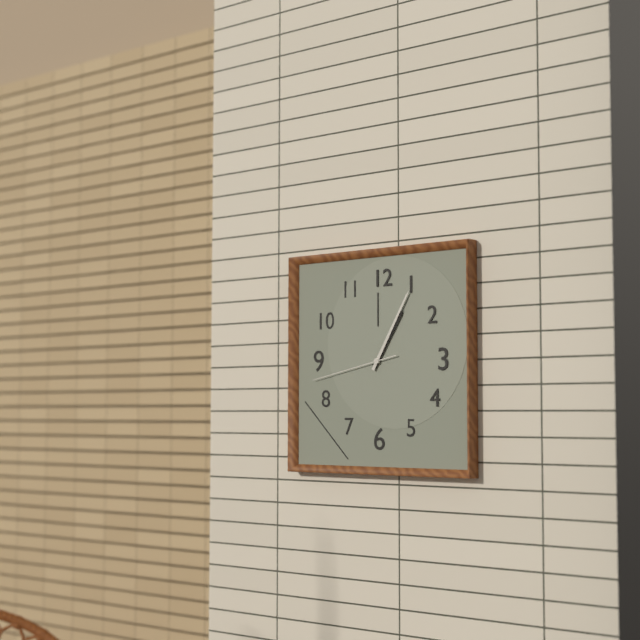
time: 1:05:43
